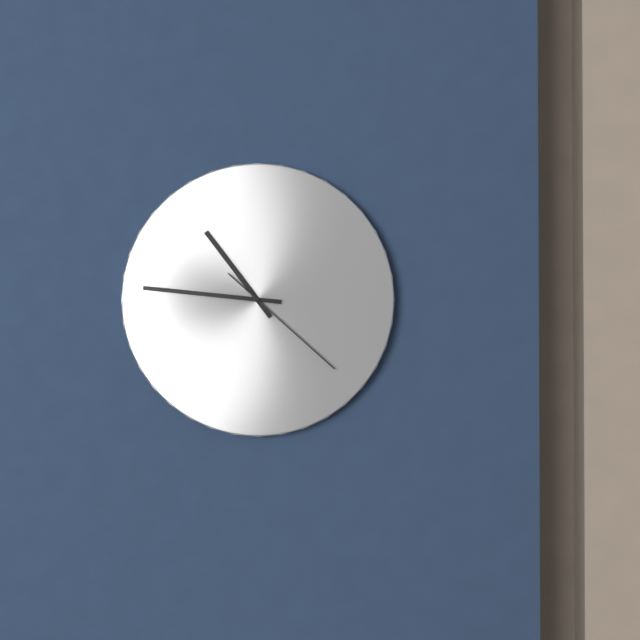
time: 10:46:22
